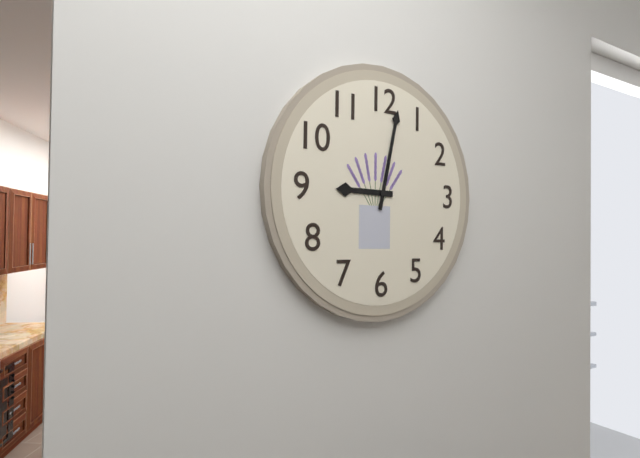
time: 9:02
